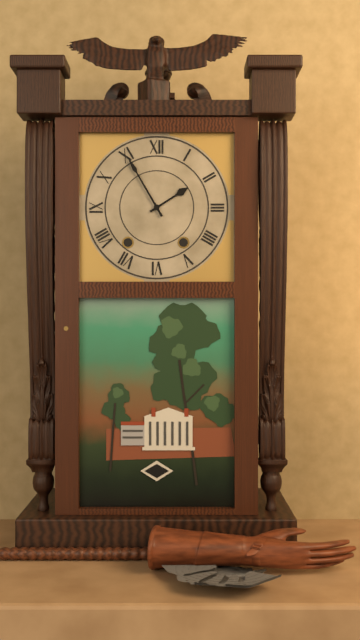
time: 1:55
